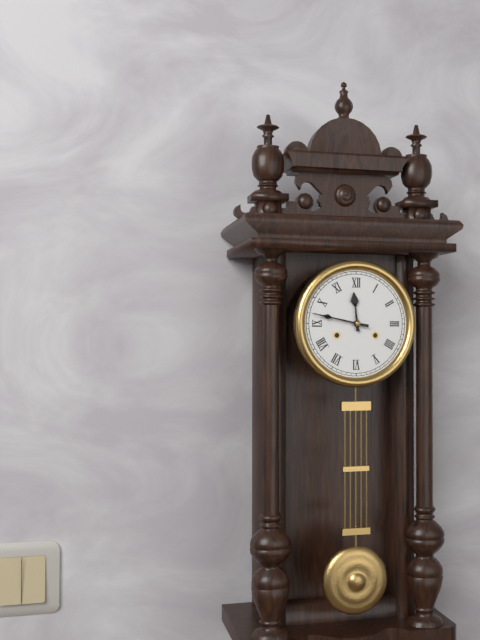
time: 11:47
